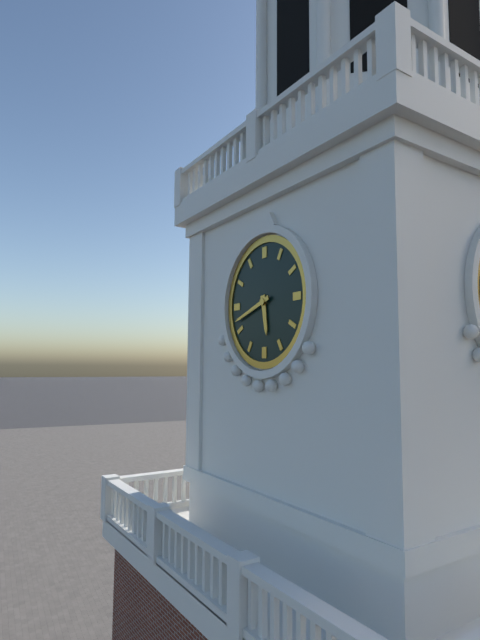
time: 5:42
